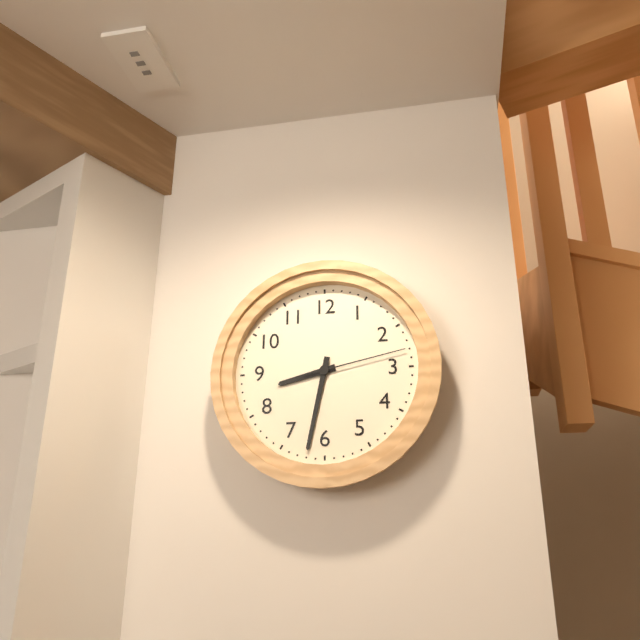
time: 8:32:13
